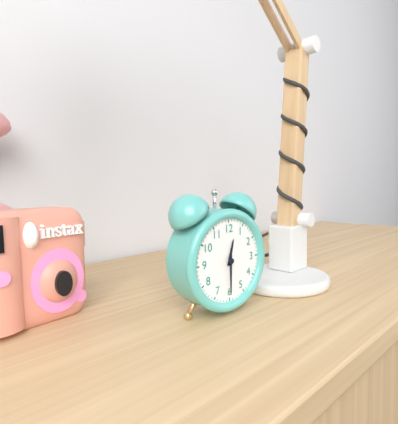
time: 12:30
